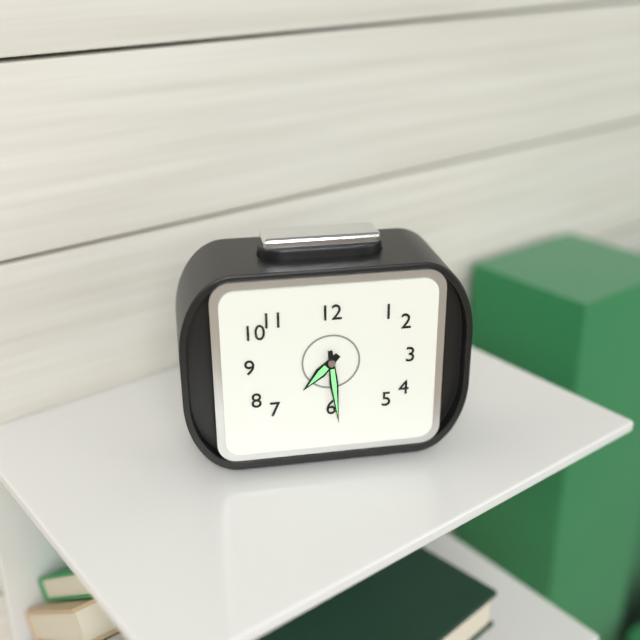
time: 7:29
